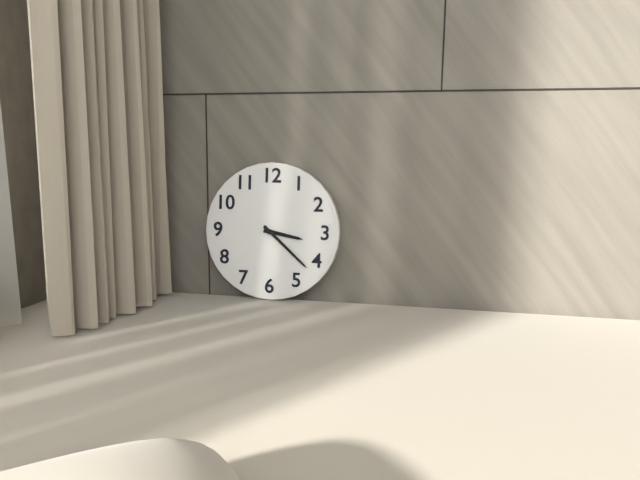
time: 3:22
